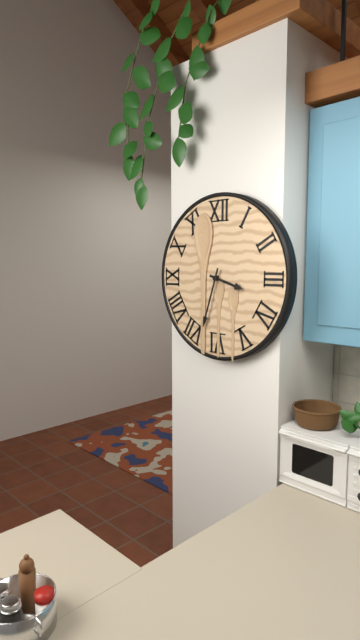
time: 3:33
